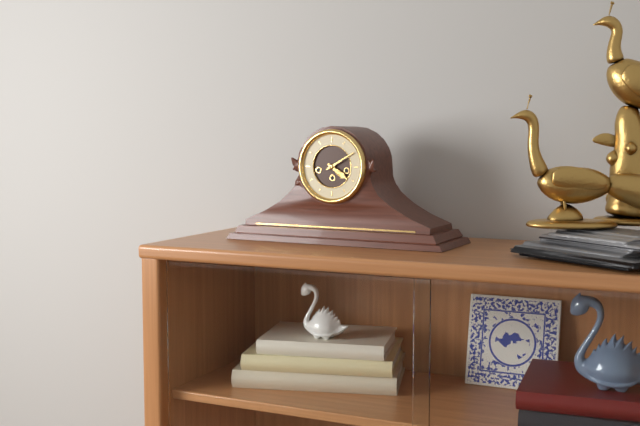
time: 4:10
